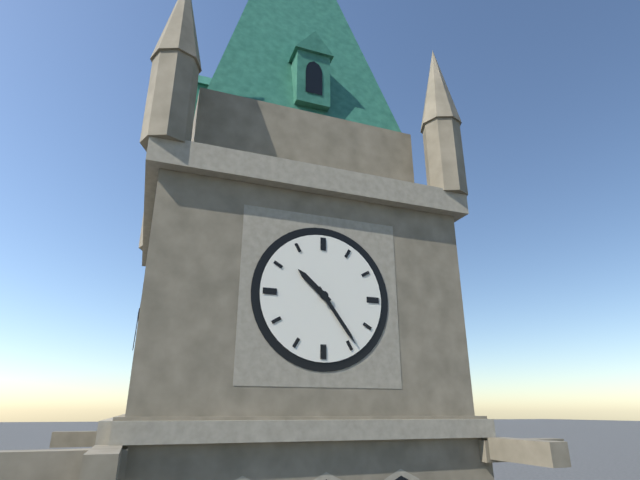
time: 10:24
